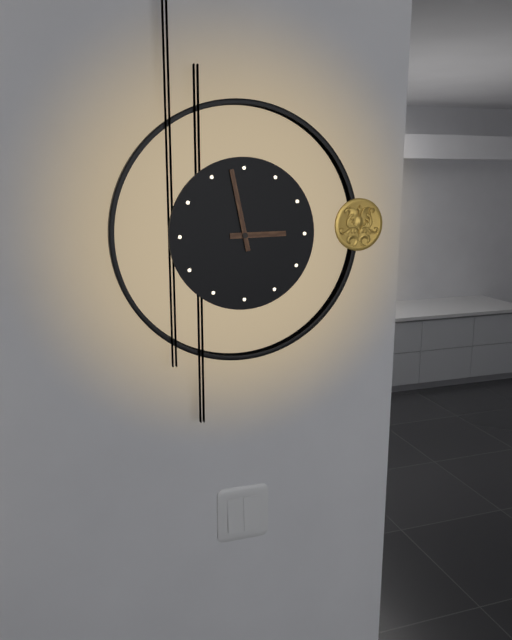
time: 2:58
